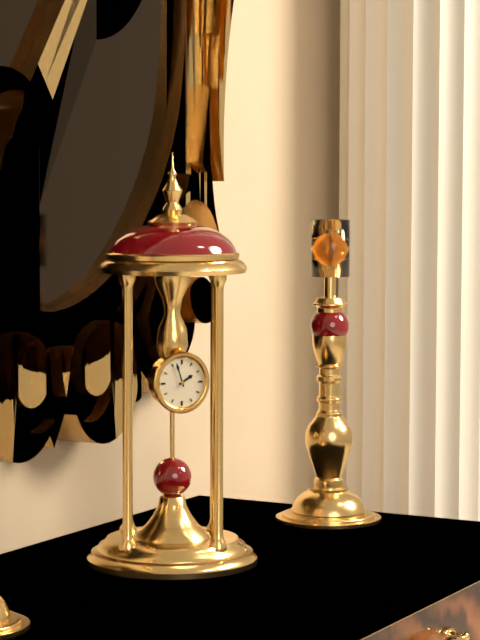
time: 1:57
